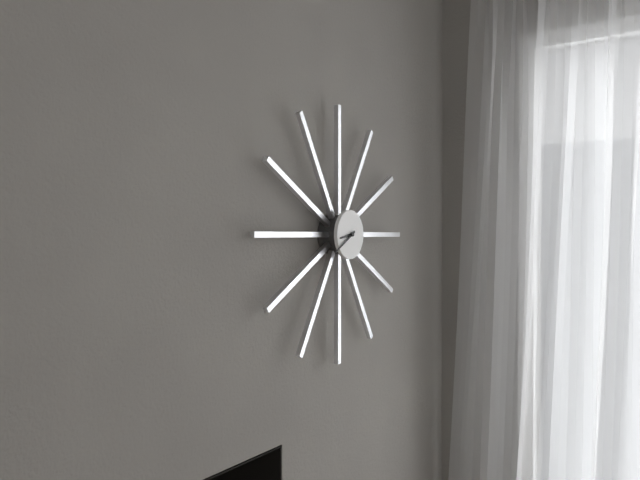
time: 8:40
